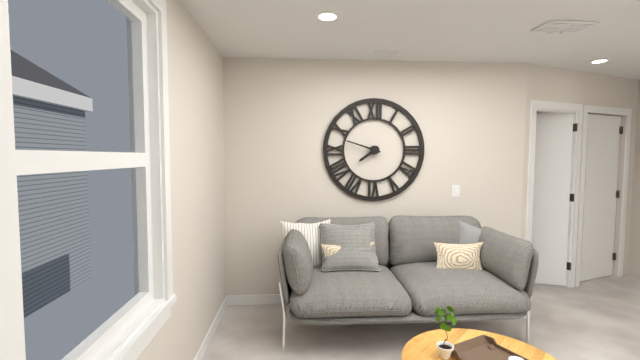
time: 7:48
